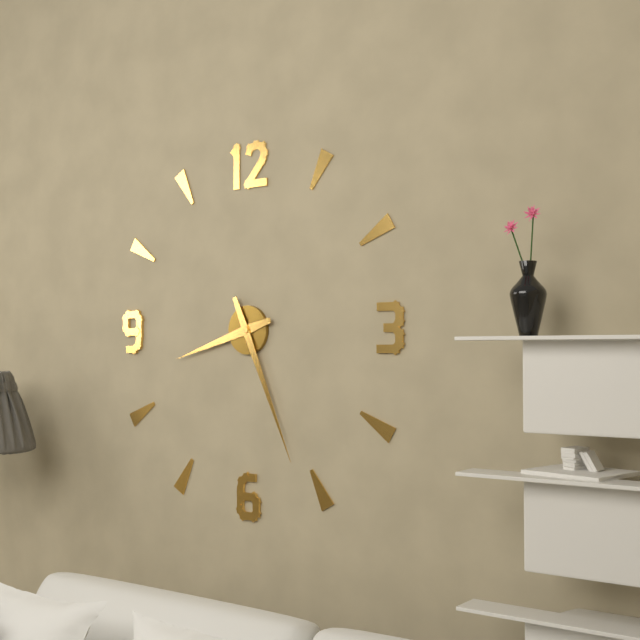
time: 8:26
